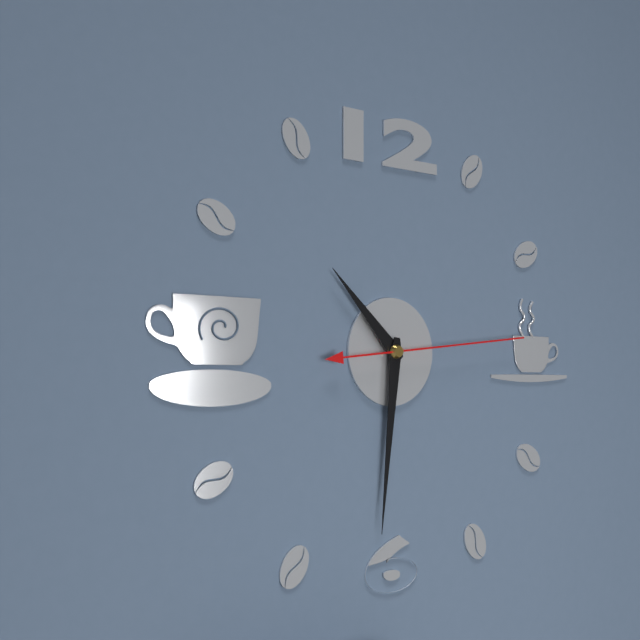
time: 10:31:14
